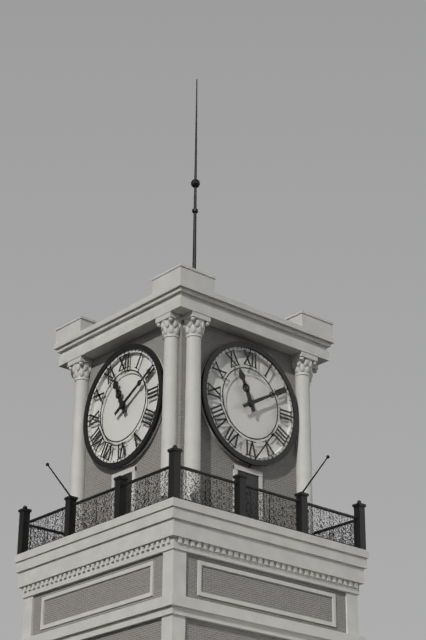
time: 11:10
